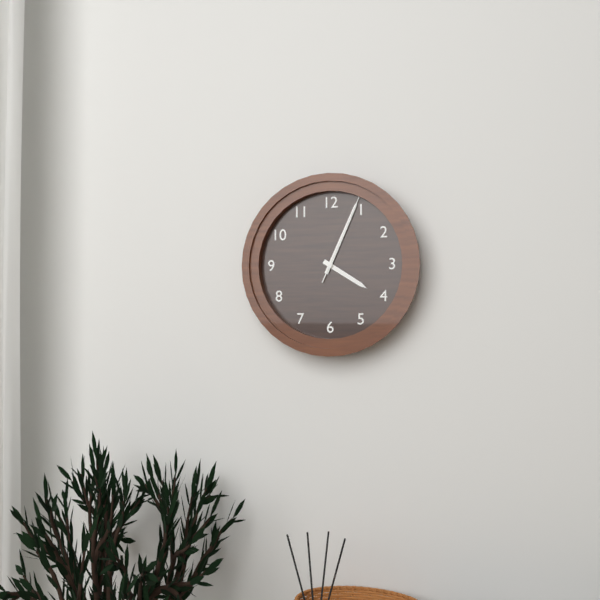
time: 4:04:04
